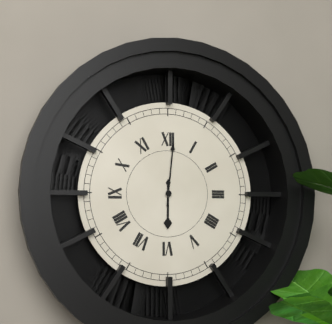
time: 6:01
